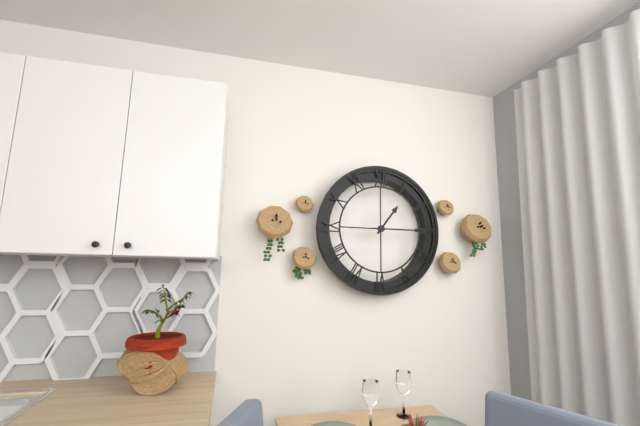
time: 1:15
